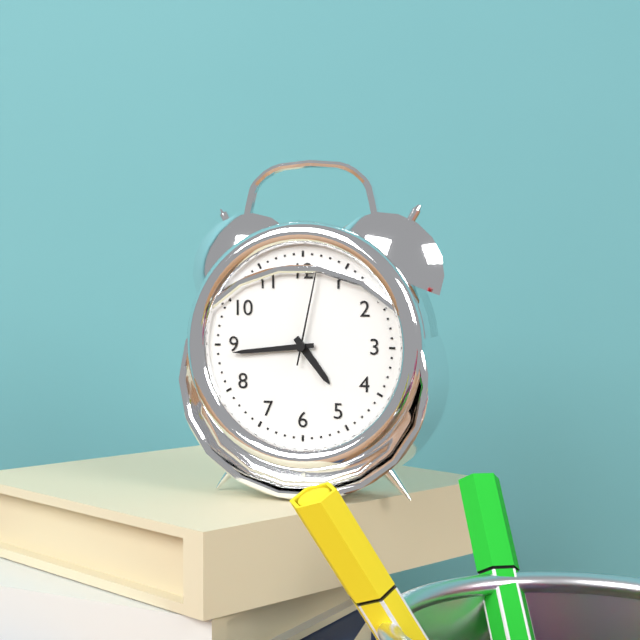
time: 4:44:02
